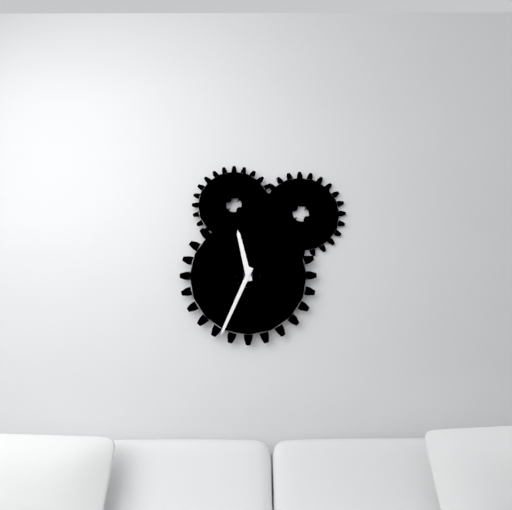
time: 11:34
